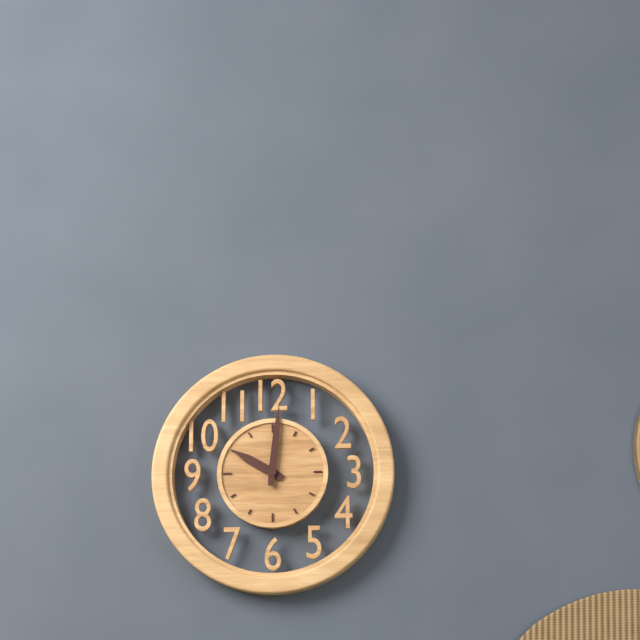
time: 10:01
